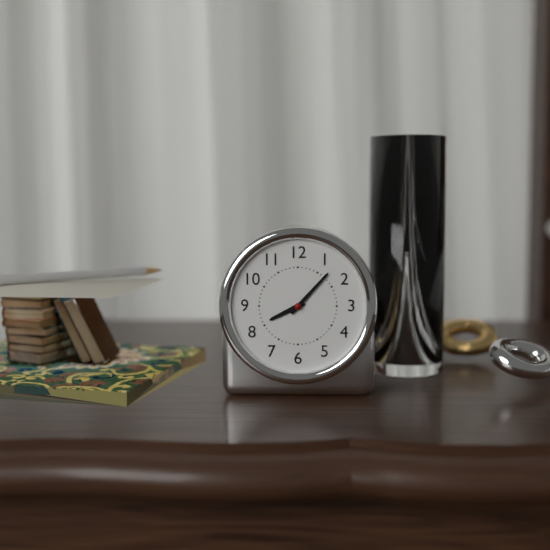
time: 8:07
